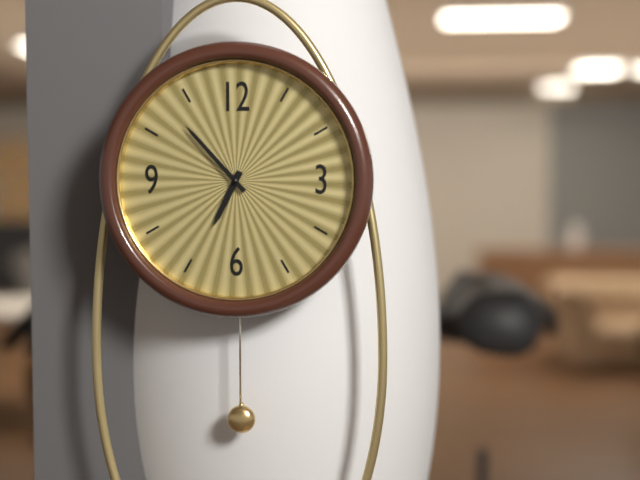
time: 6:53
